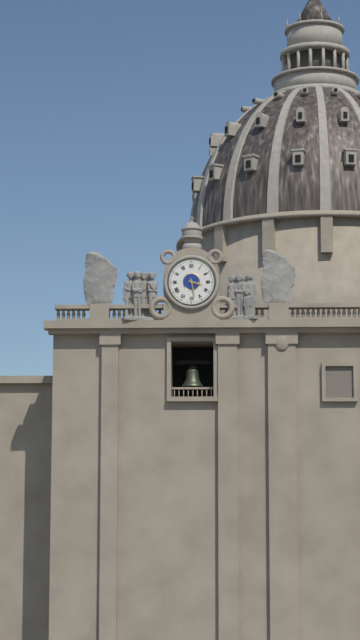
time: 3:28
